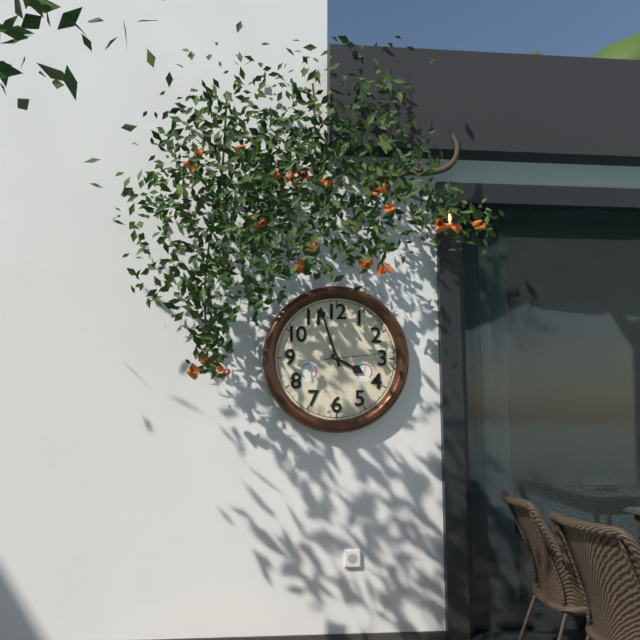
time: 3:57:14
